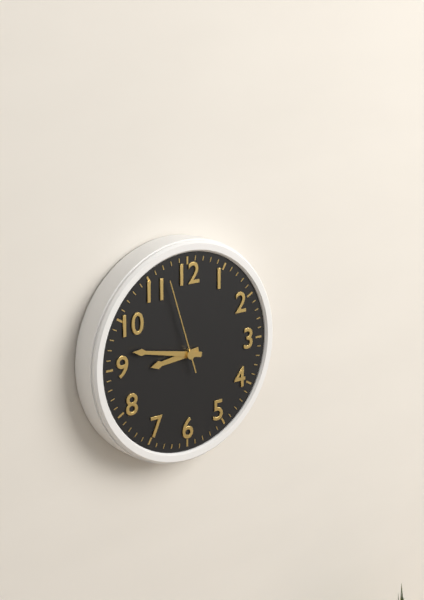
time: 8:47:57
